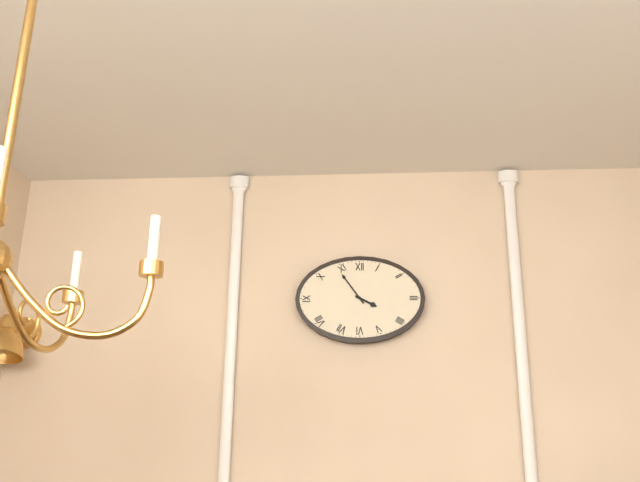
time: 3:54
